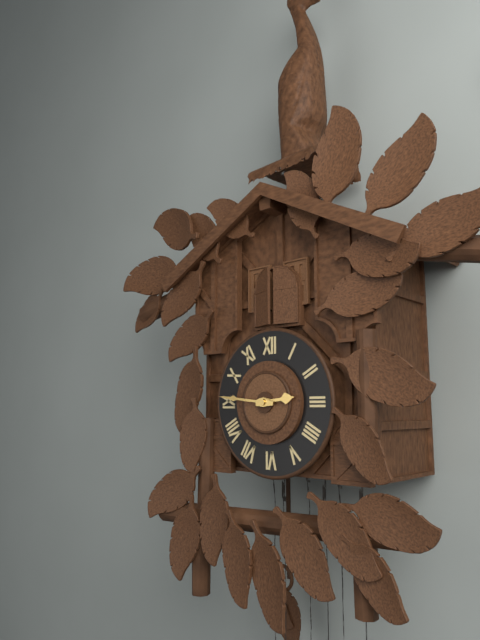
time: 2:46
